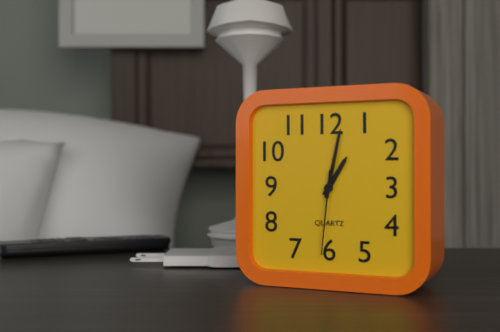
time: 1:02:31
